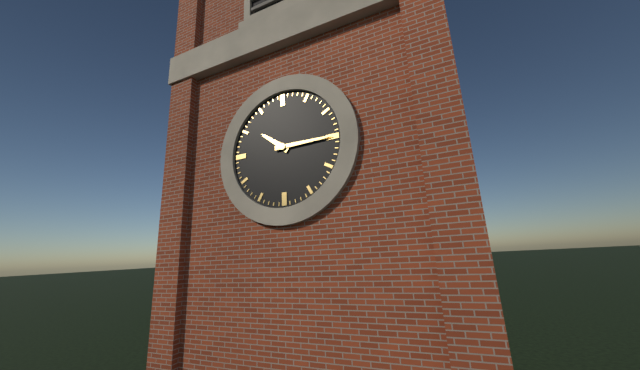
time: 10:15
